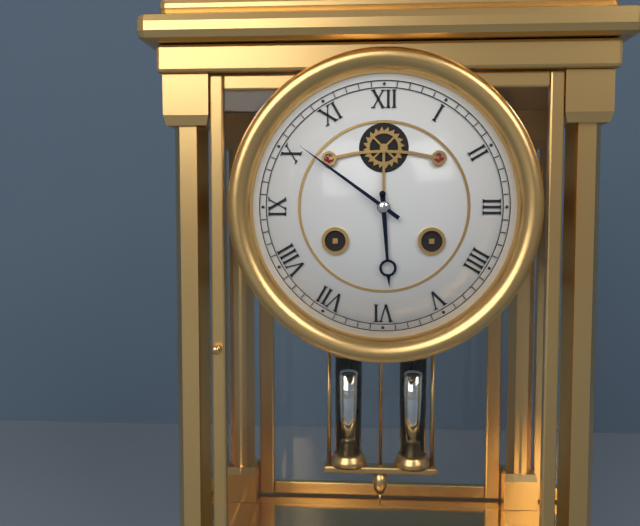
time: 5:51
